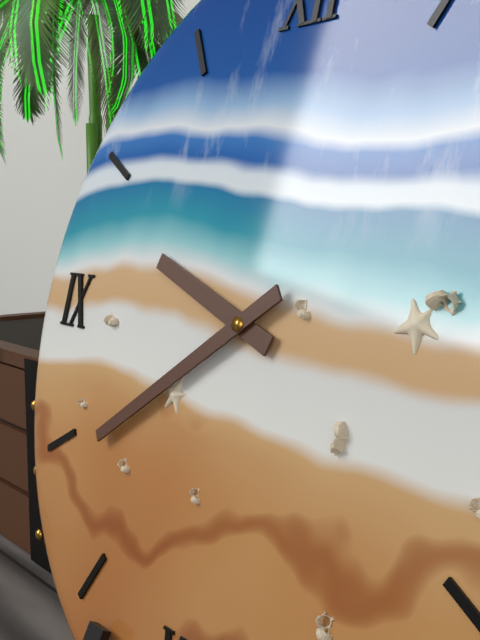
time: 9:39
